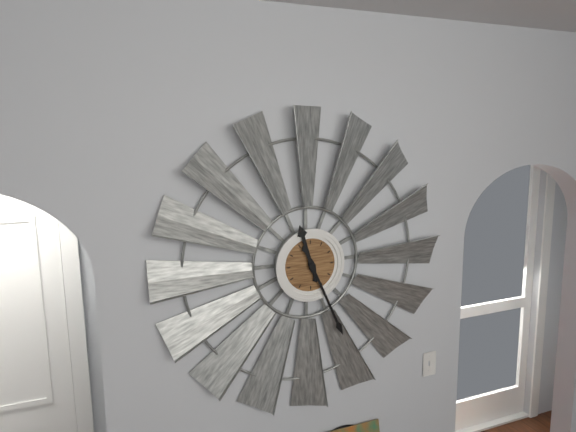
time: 11:26
